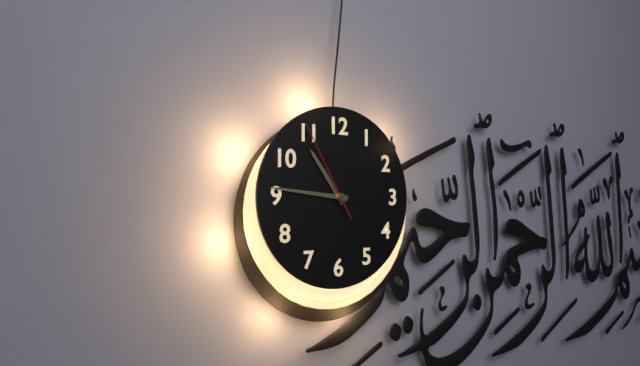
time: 10:46:55
